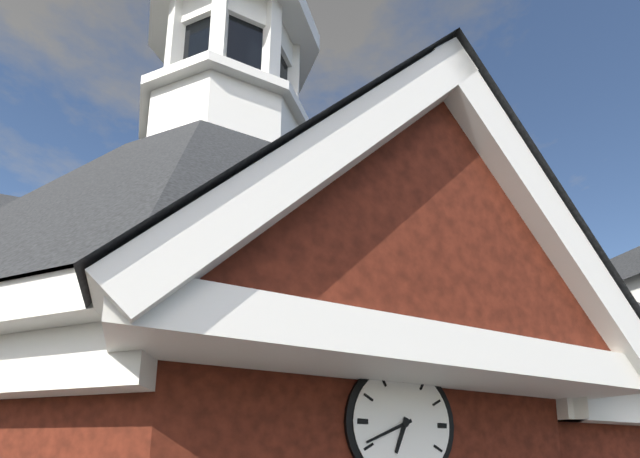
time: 6:41
